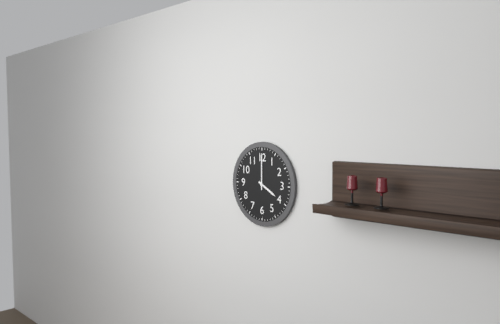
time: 4:00
